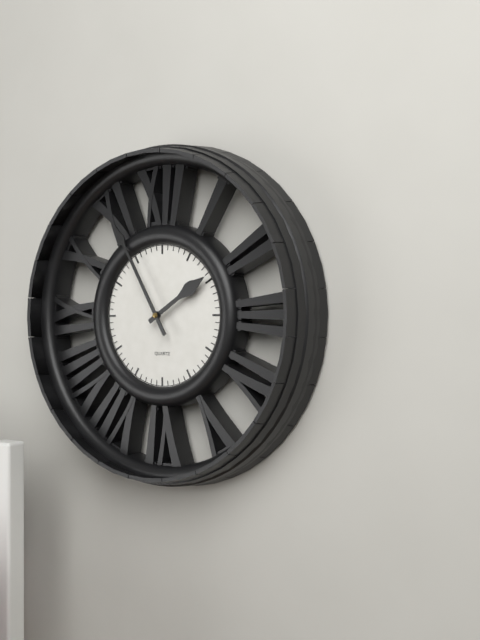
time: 1:55
